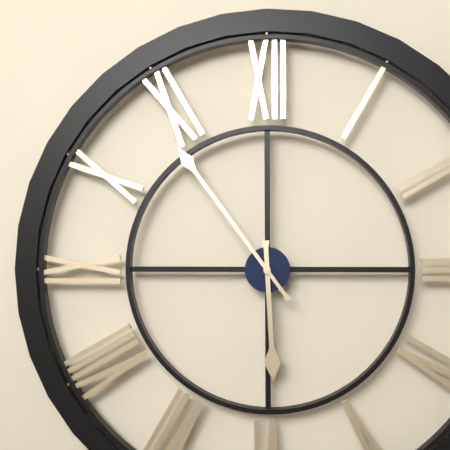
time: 5:54
